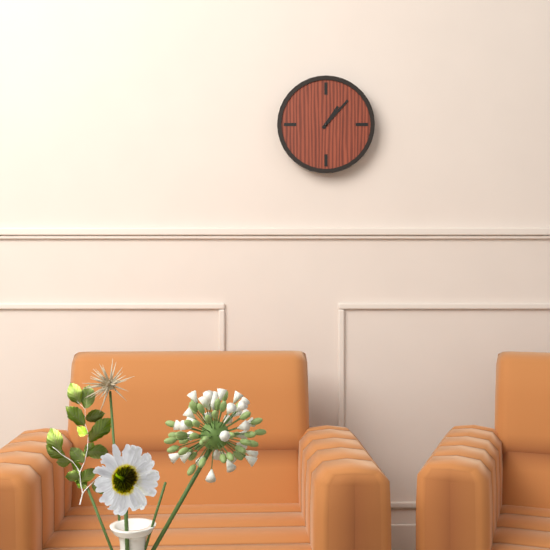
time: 1:07
